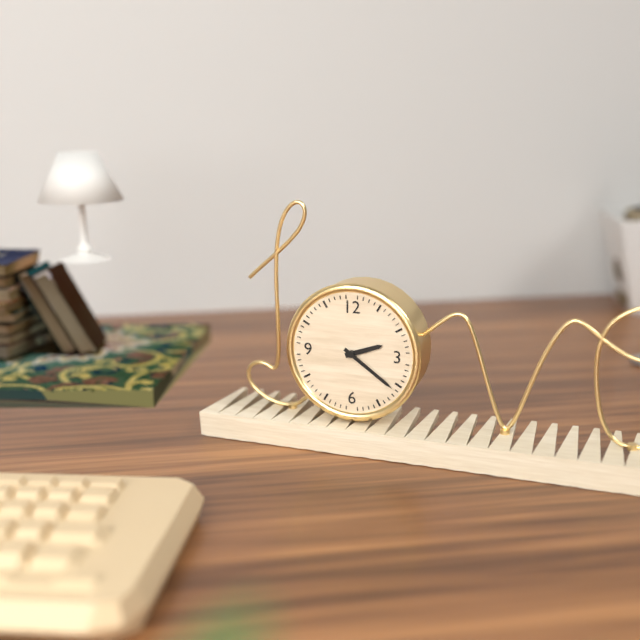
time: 2:21
